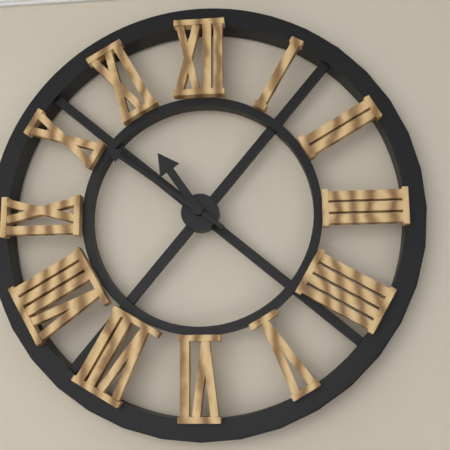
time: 10:51
